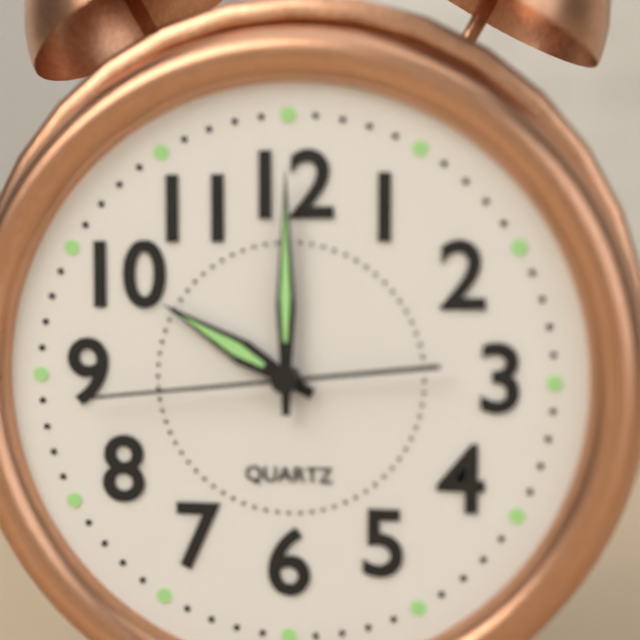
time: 10:00:44
